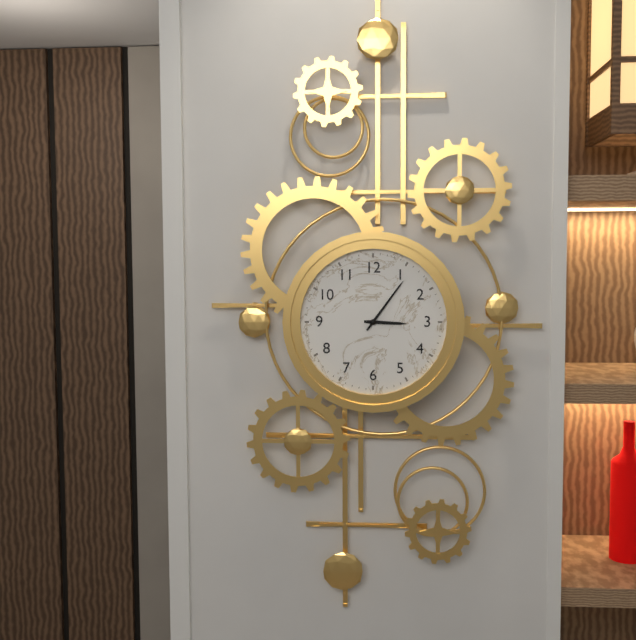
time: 3:06
